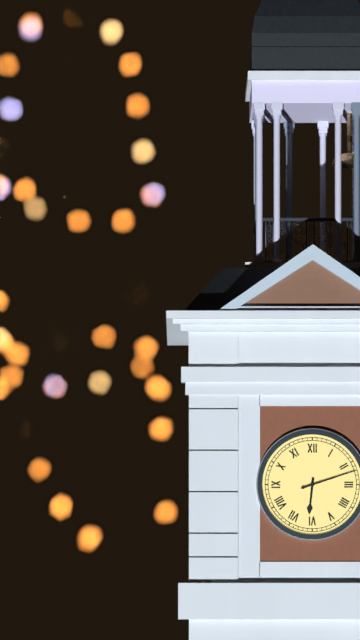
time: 6:12
